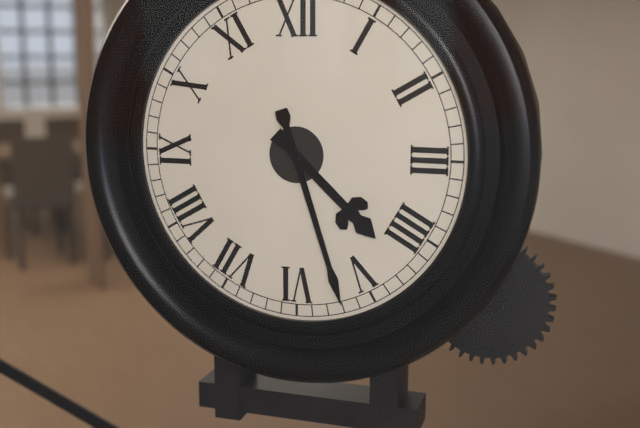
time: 4:27
